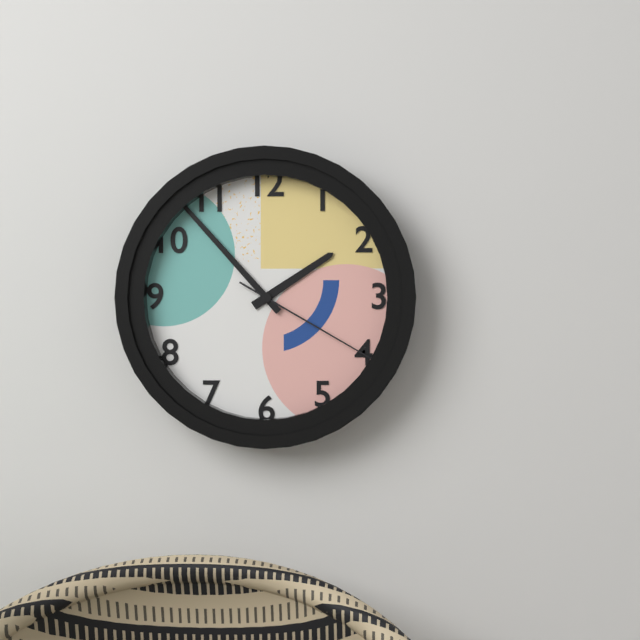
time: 1:53:20
